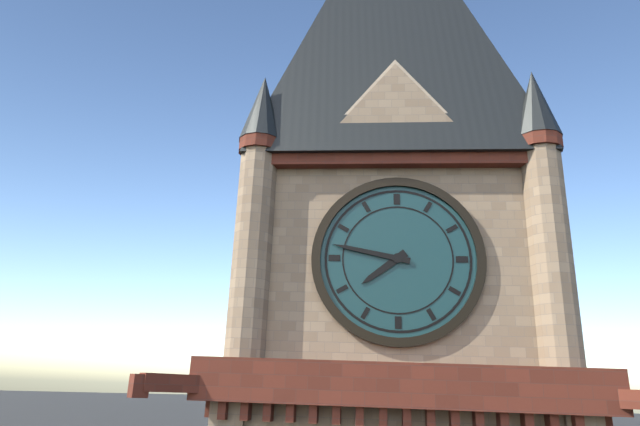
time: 7:47
